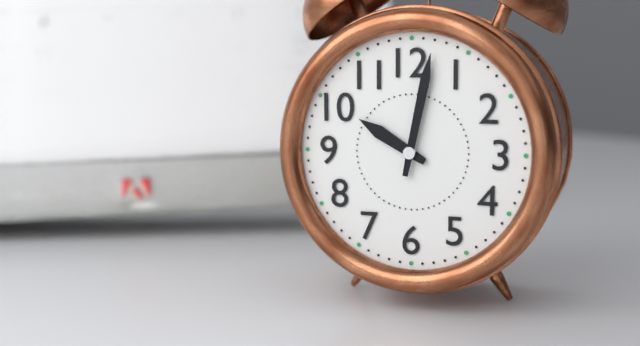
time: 10:02
